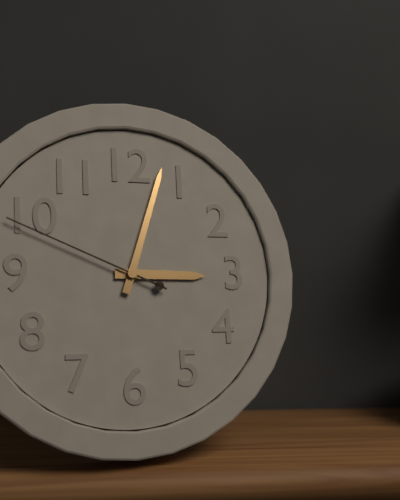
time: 3:03:49
